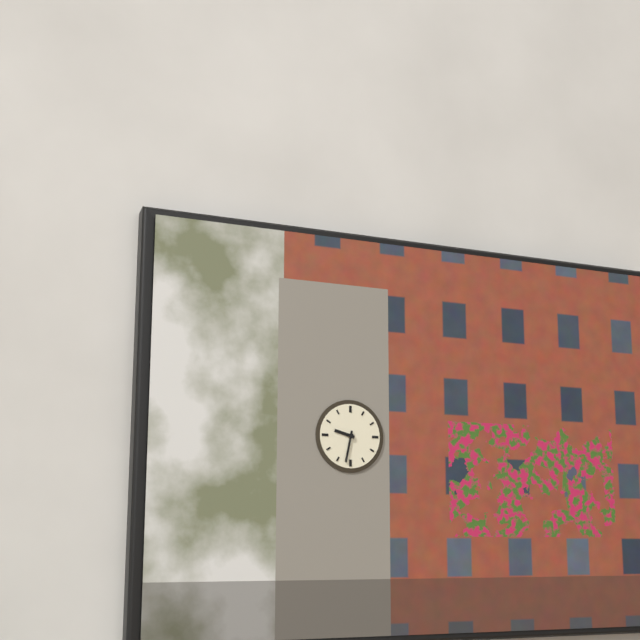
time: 9:32
